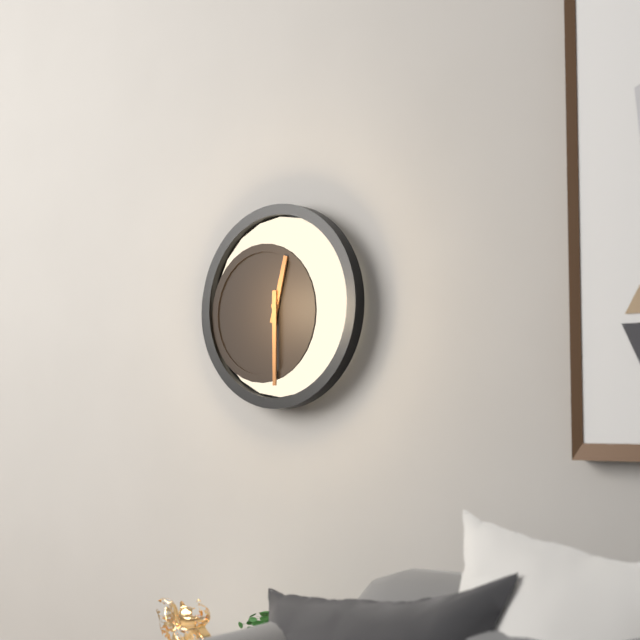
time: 12:30
